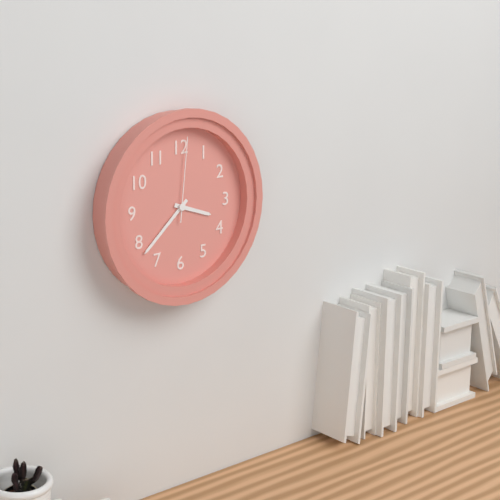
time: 3:38:01
